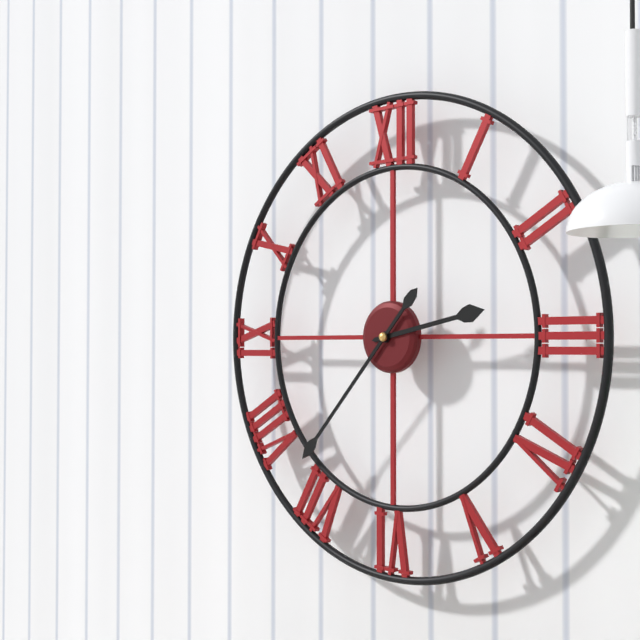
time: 2:37
